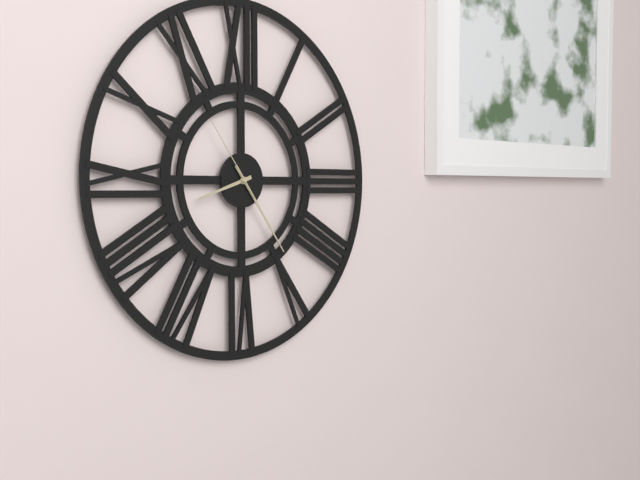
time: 8:24:54
